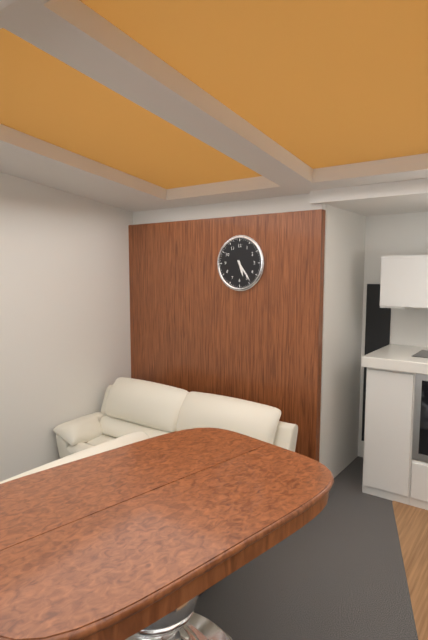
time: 5:24
